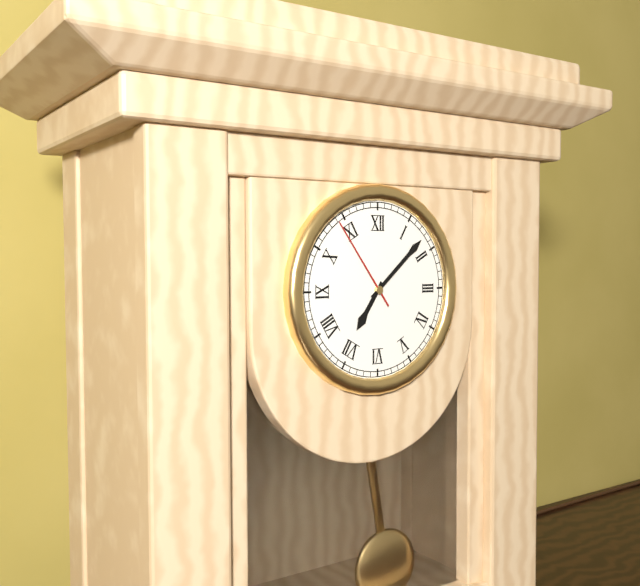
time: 7:08:54
